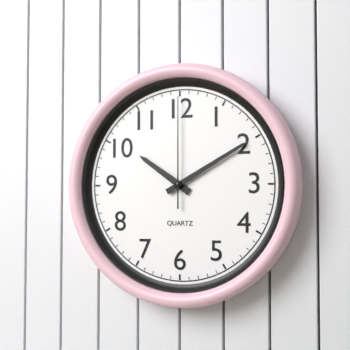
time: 10:10:00
